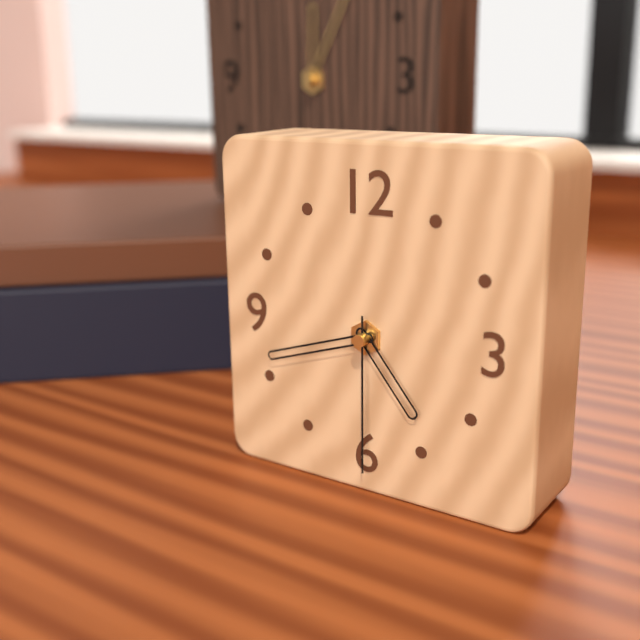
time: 4:42:30
